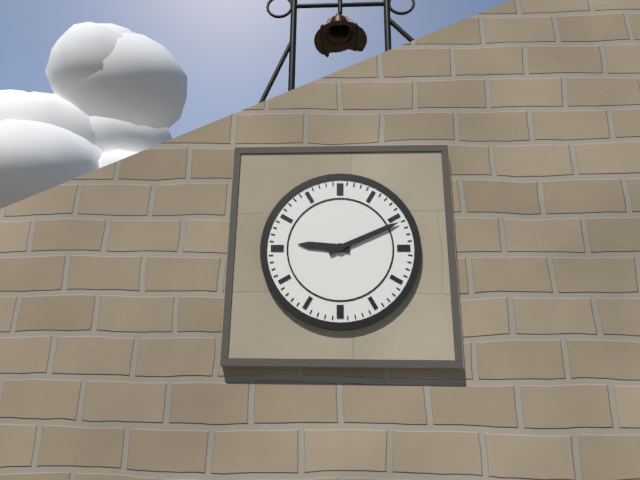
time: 9:11
